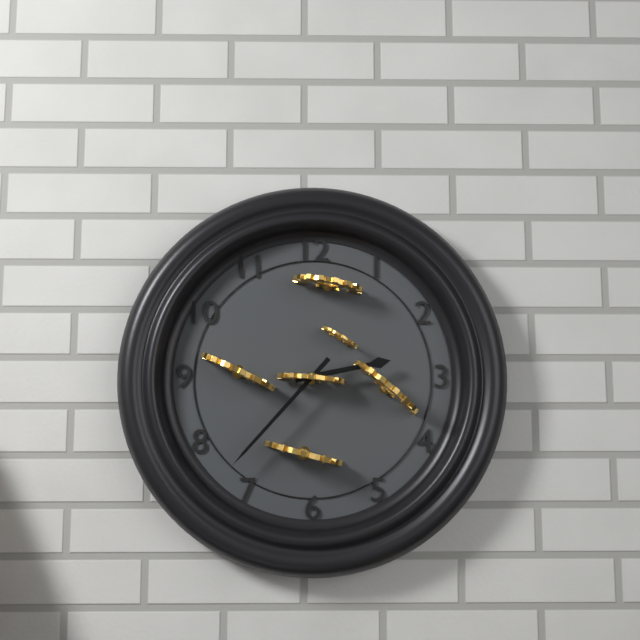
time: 2:37
